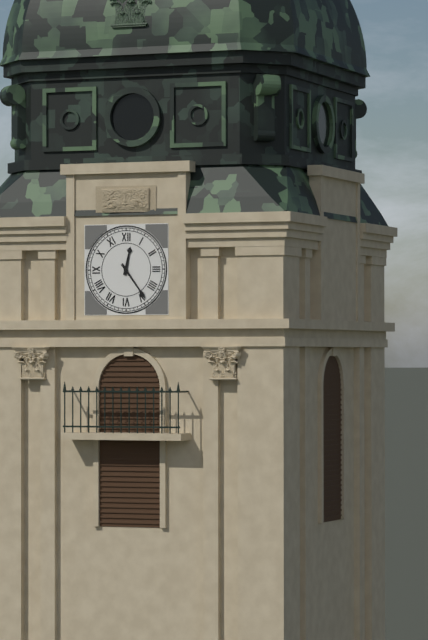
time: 12:24
